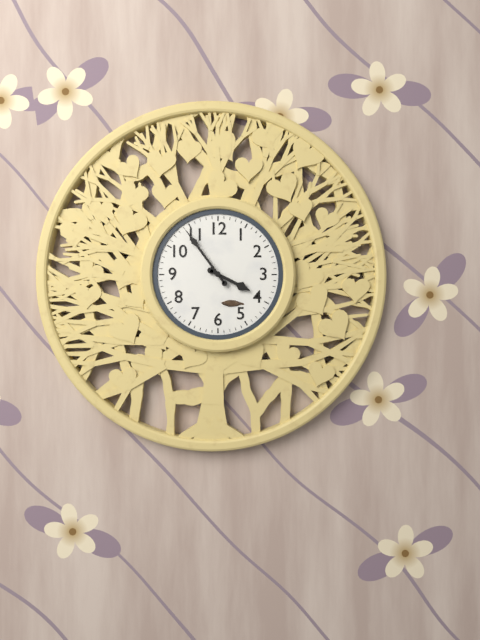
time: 3:54
